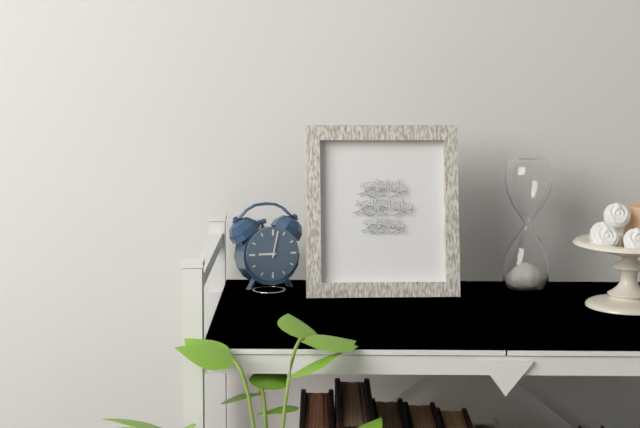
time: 9:02
